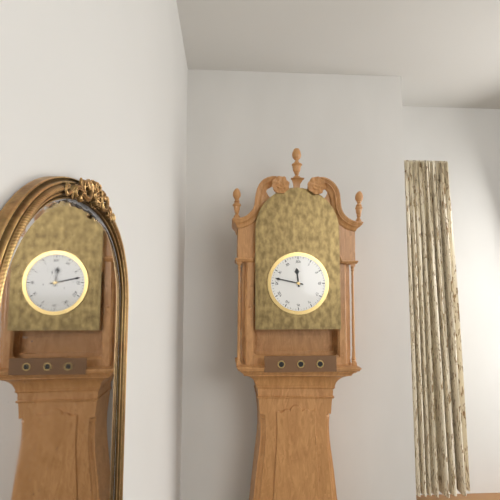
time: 11:47
